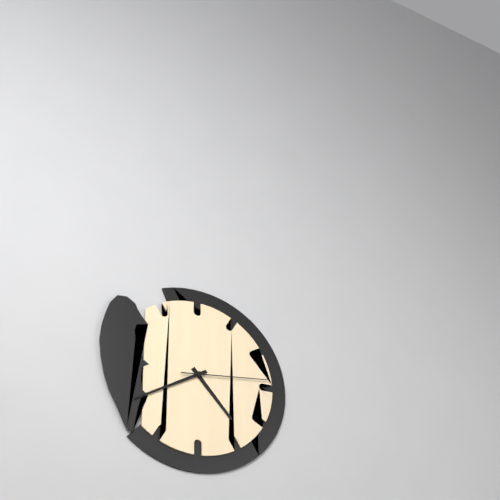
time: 4:40:14
